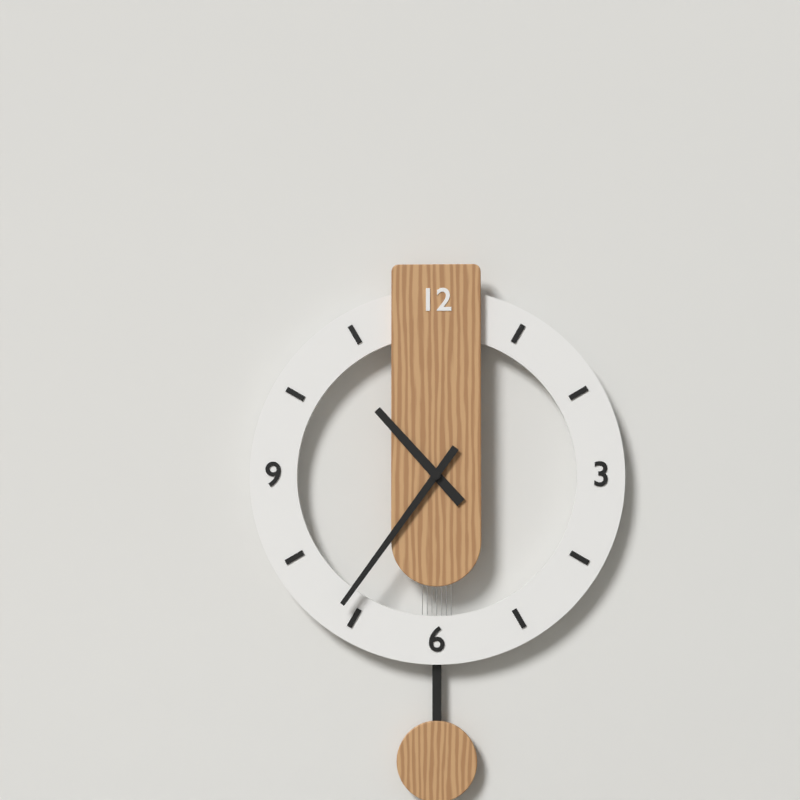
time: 10:36
